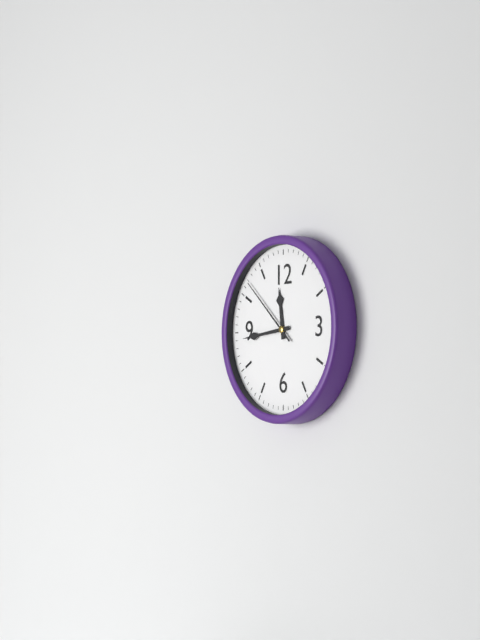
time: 11:44:52
